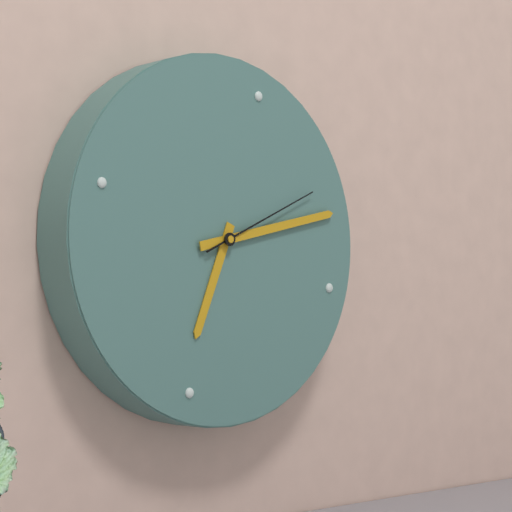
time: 6:10:08
